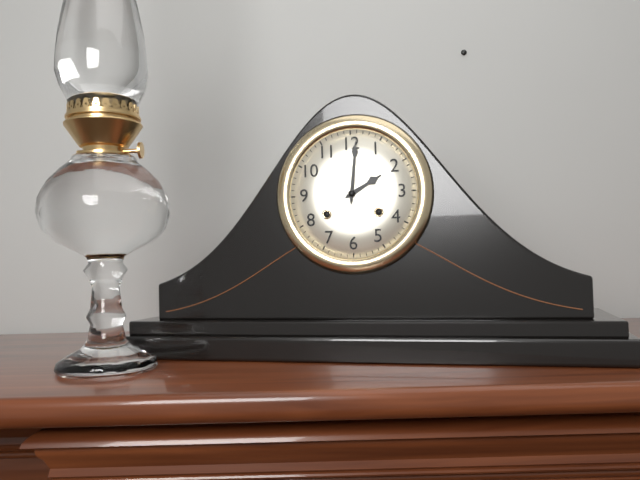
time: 2:01
